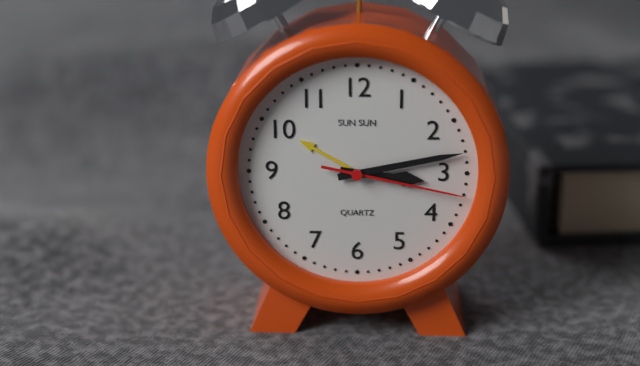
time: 3:13:17
